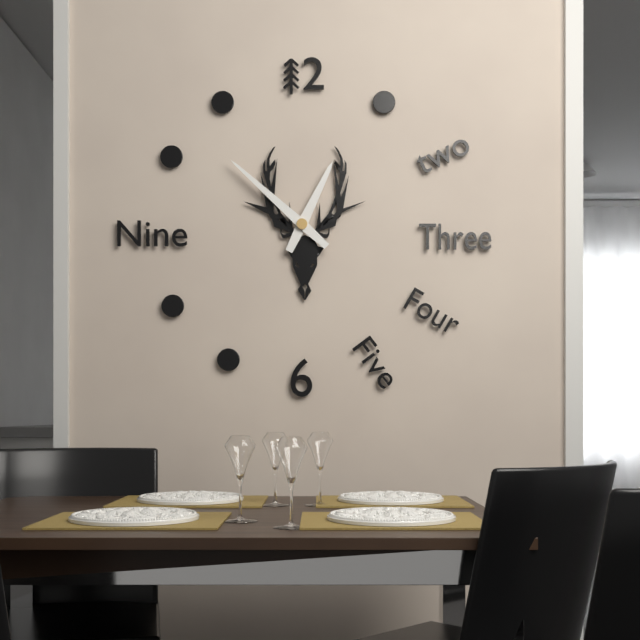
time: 12:52
